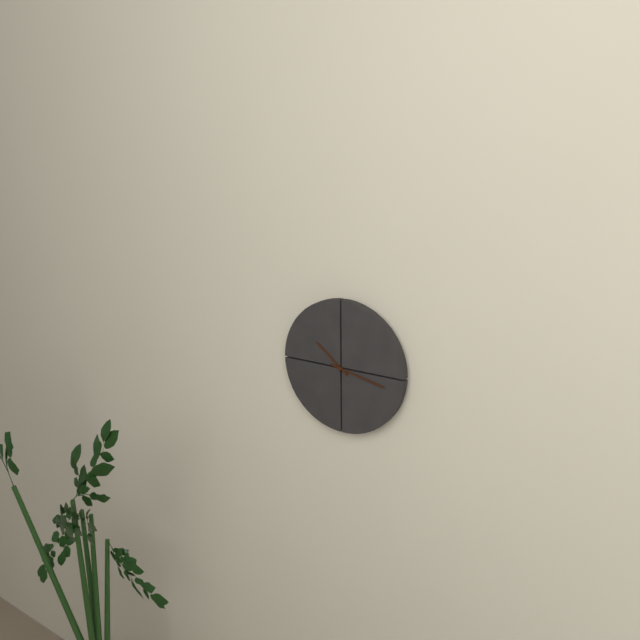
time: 10:17
